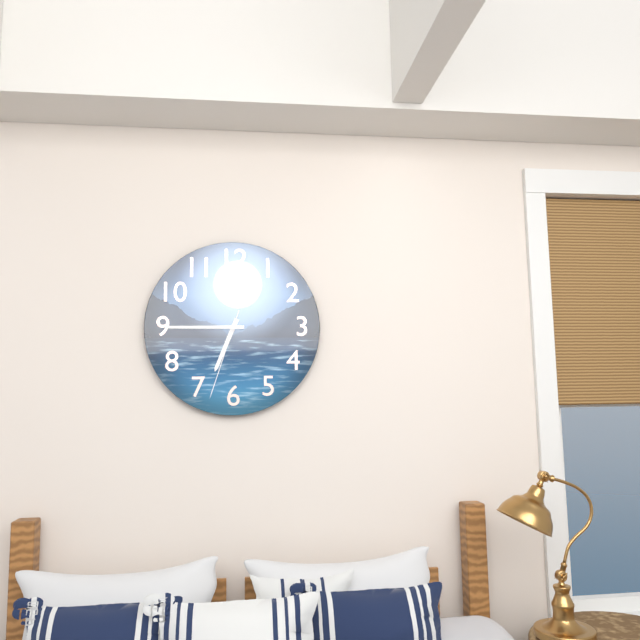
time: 6:45:33
